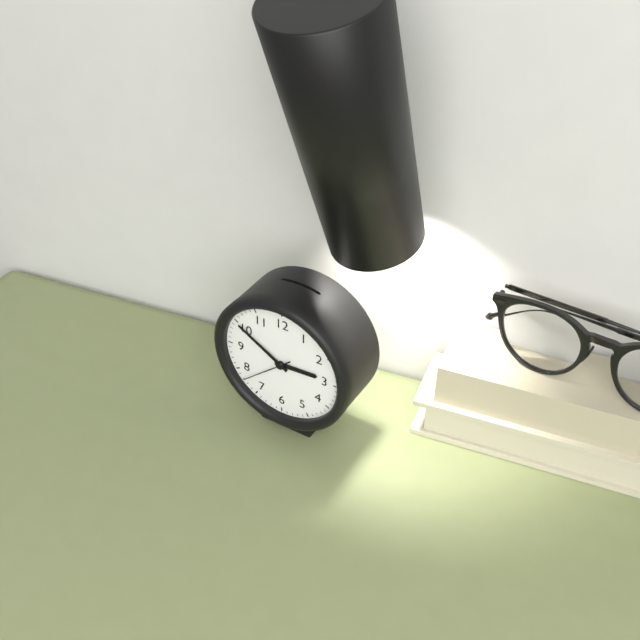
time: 2:50:38
